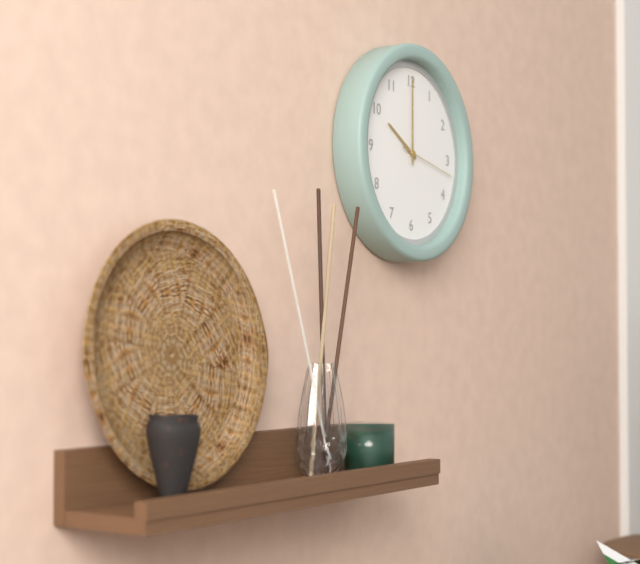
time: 10:00:17
